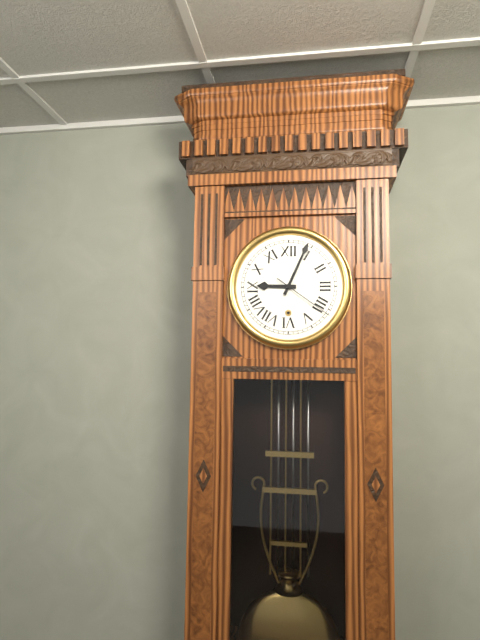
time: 9:04:21
